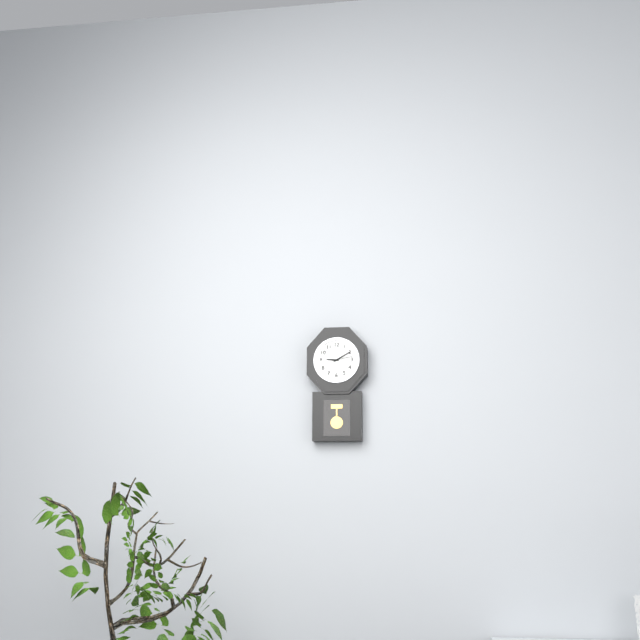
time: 9:10
